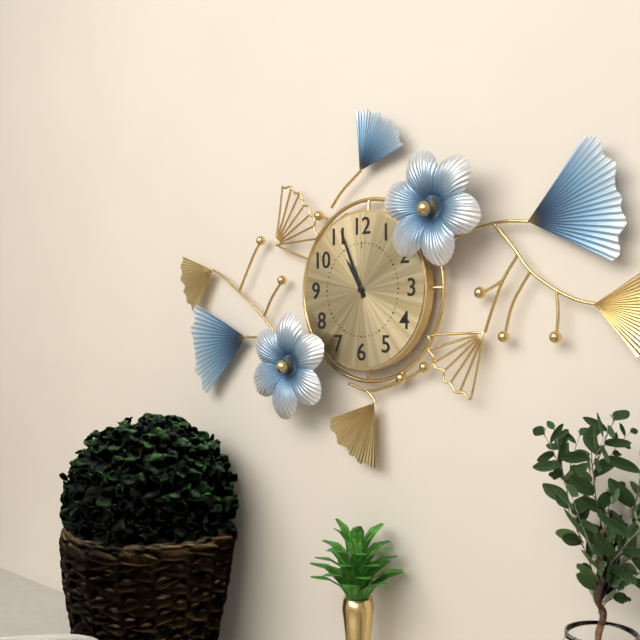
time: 10:56
